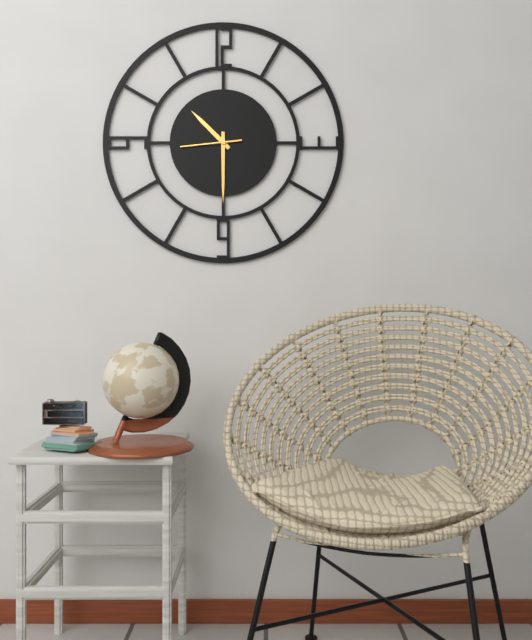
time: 10:30:44
